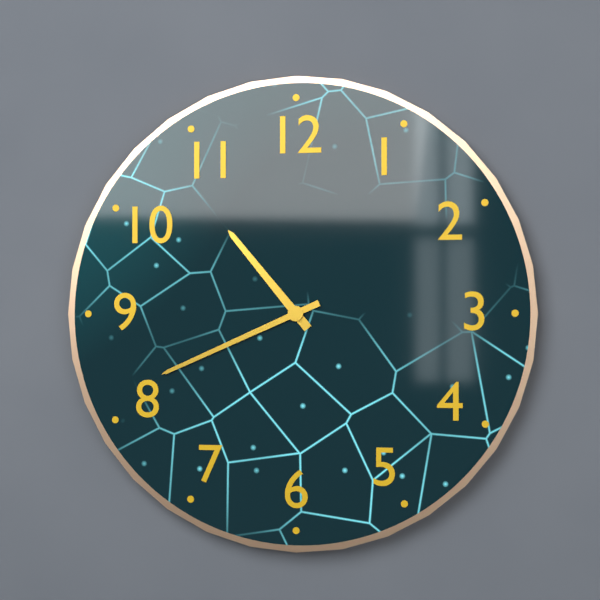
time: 10:41
